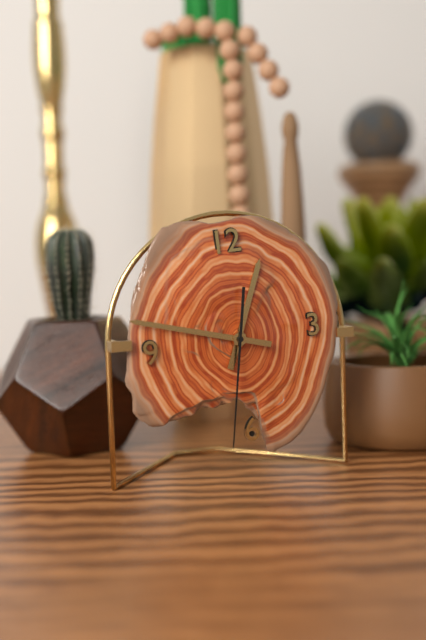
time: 12:48:32
